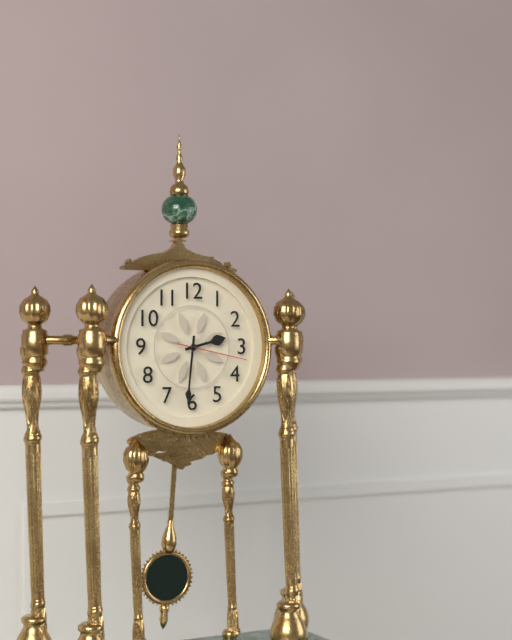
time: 2:31:17
